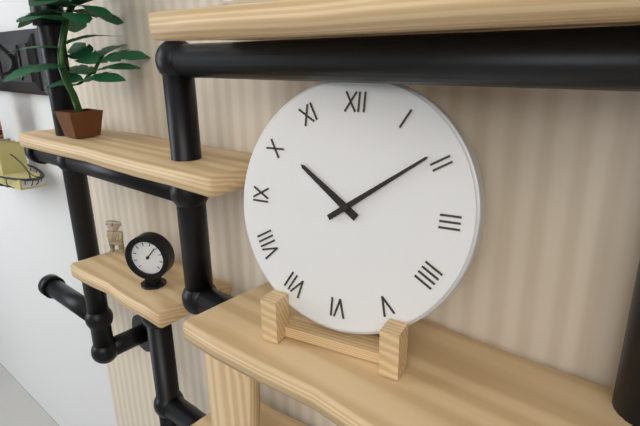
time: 10:09
